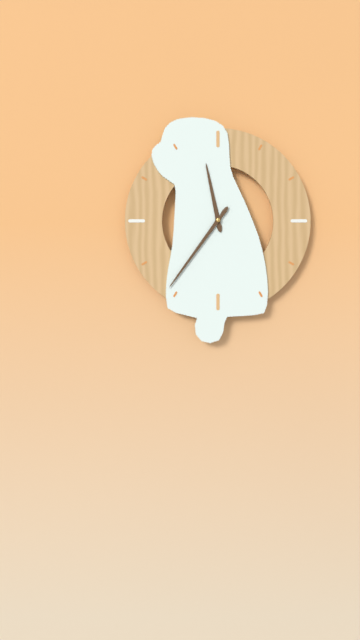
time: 11:36
